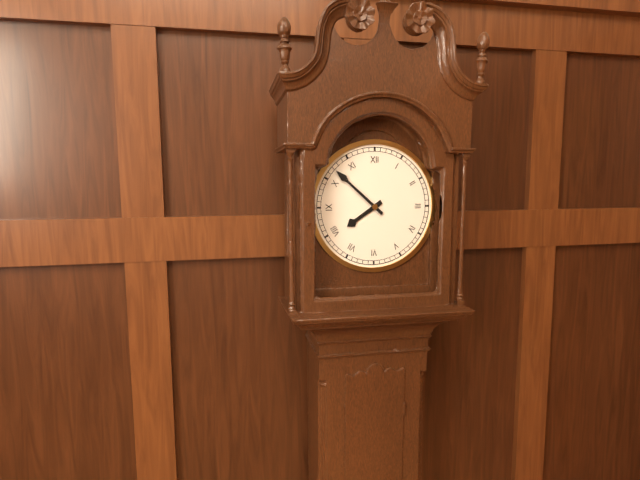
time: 7:52
